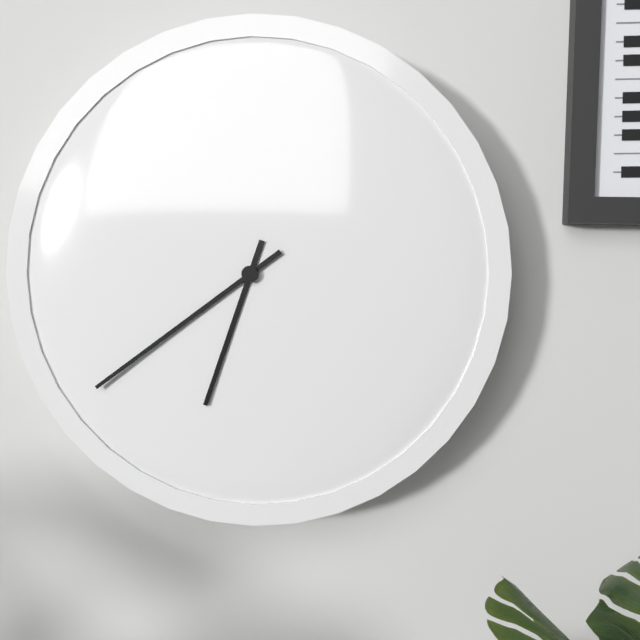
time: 6:39
